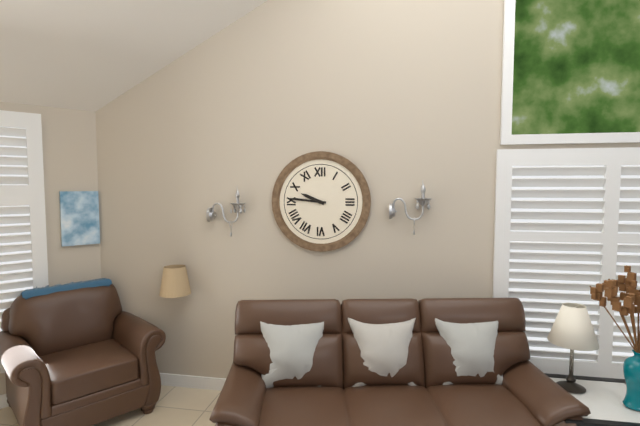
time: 9:46
